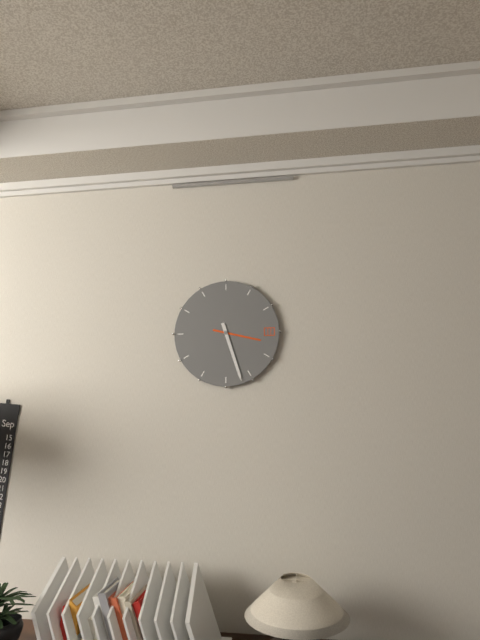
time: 3:27
